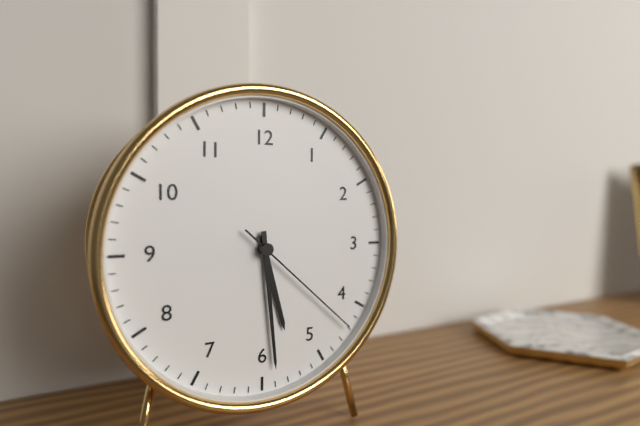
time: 5:29:22
